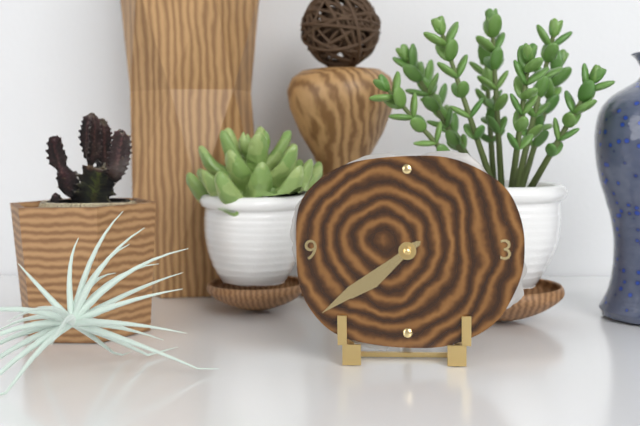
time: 7:39
